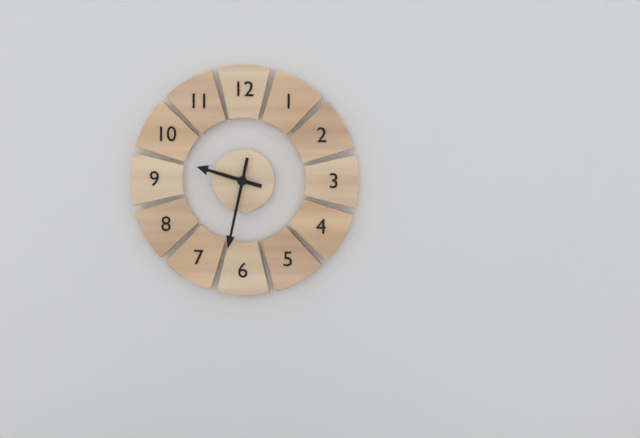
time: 9:32
